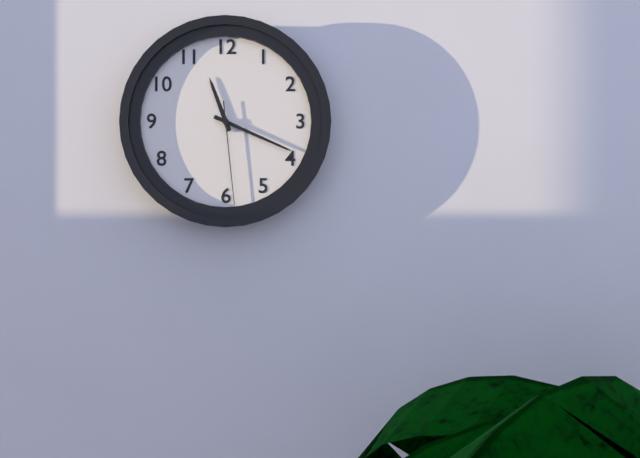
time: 11:19:29
